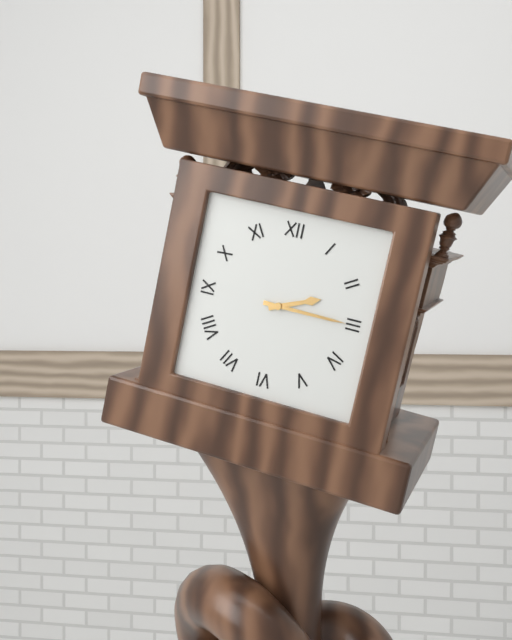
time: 2:15
